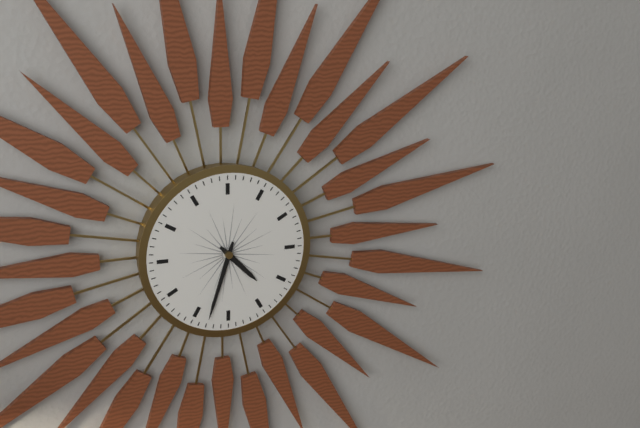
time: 4:33
